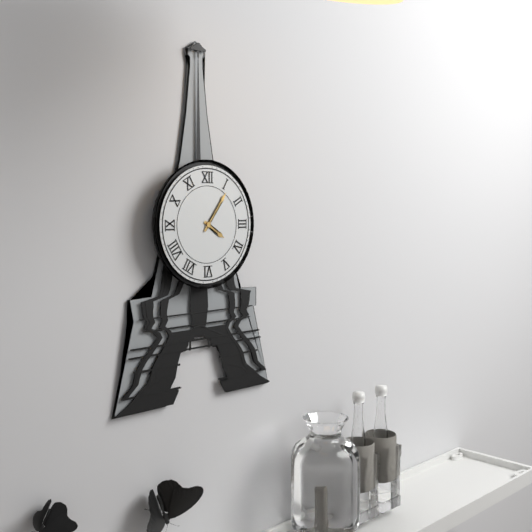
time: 4:06
